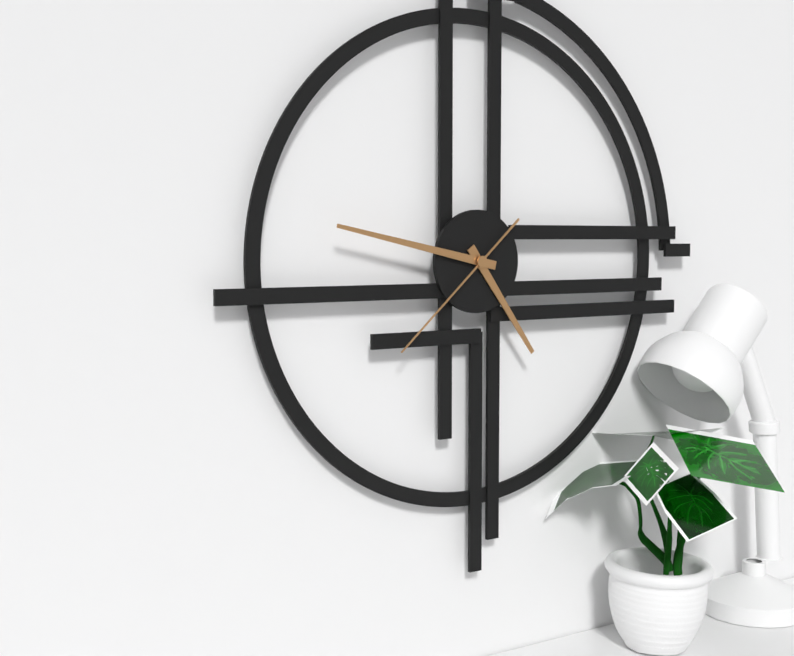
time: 4:47:38
